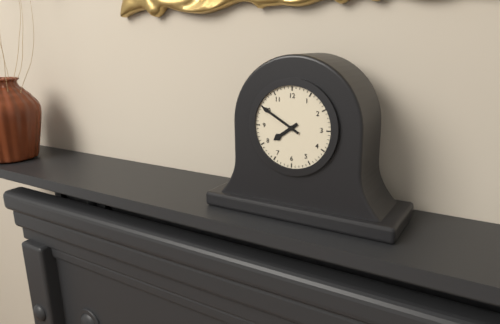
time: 7:50
